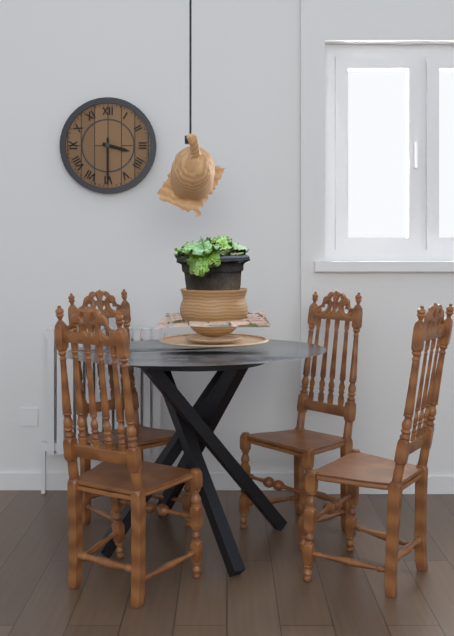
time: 3:30
